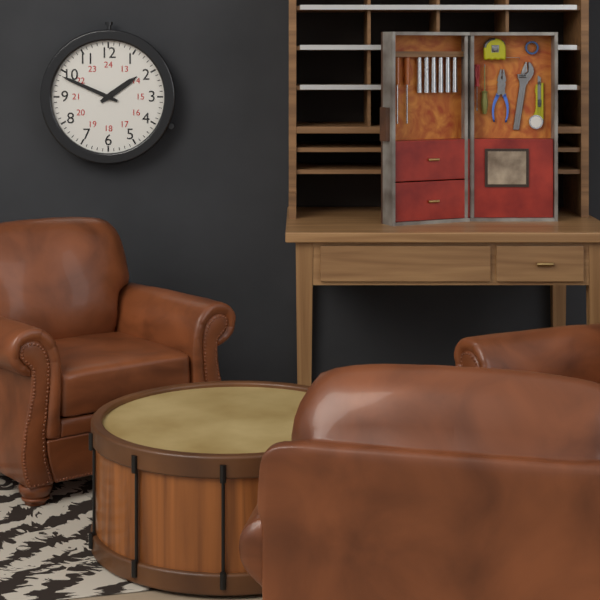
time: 1:49
